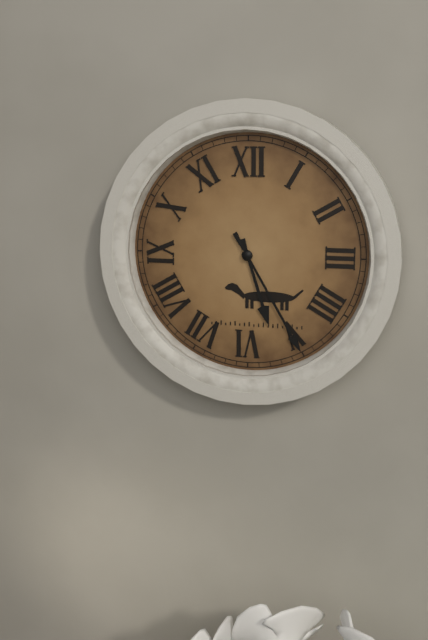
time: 5:25
